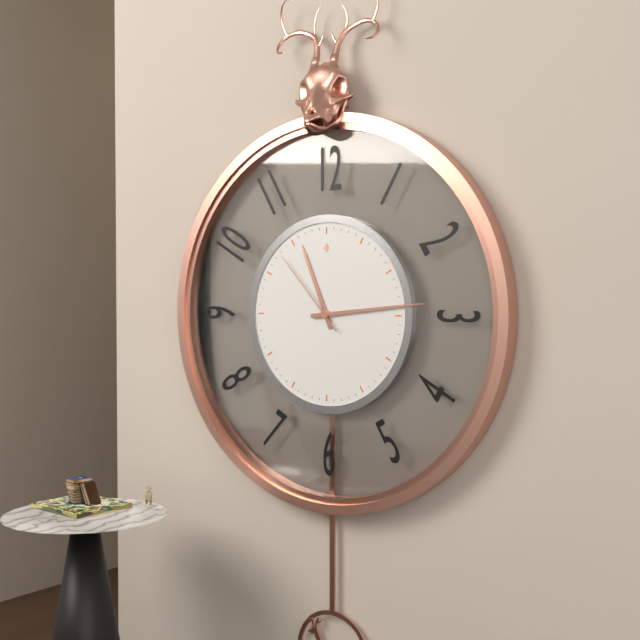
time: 11:14:53
